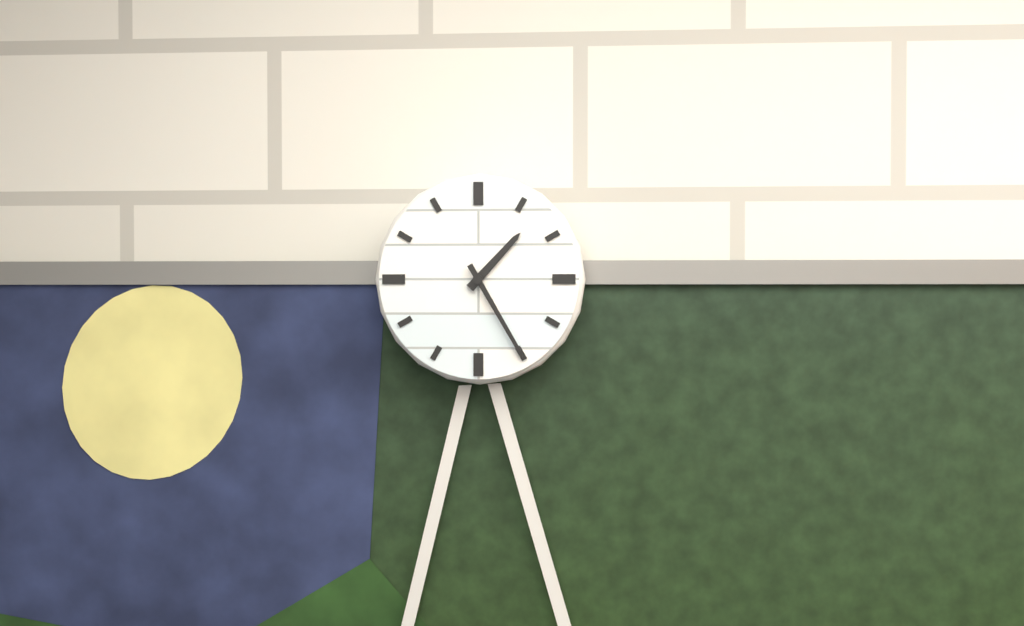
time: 1:25
